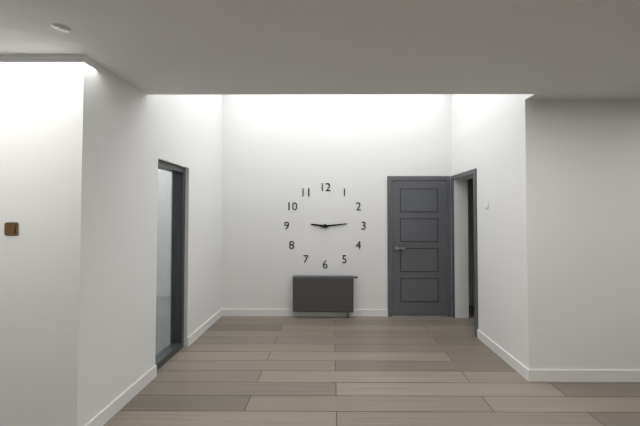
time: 9:14
